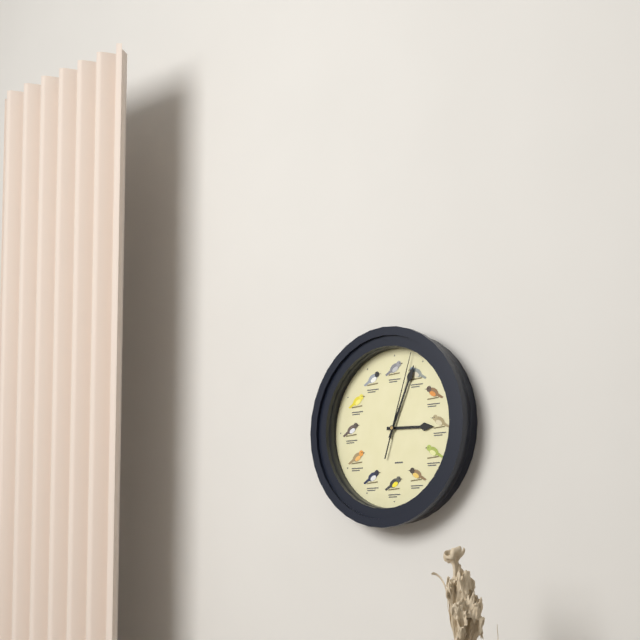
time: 3:04:03
